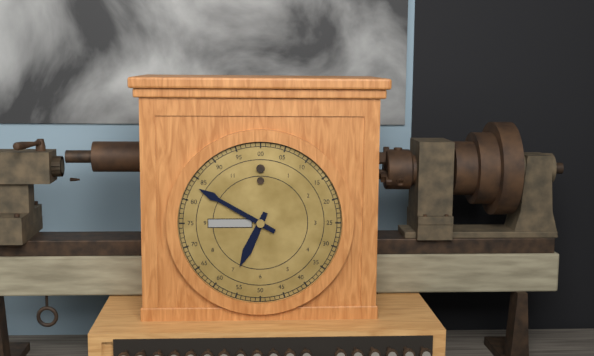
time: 6:50
